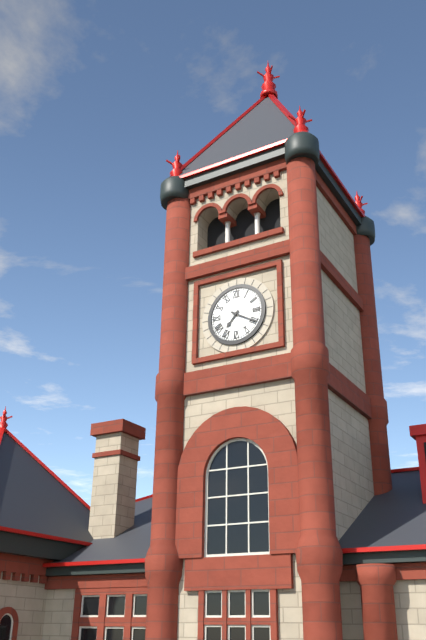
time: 7:20
